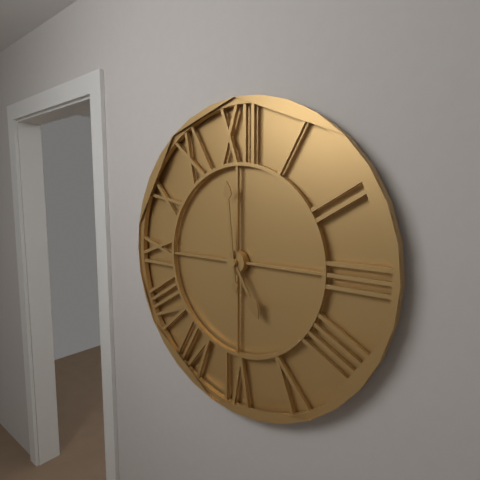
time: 4:59
